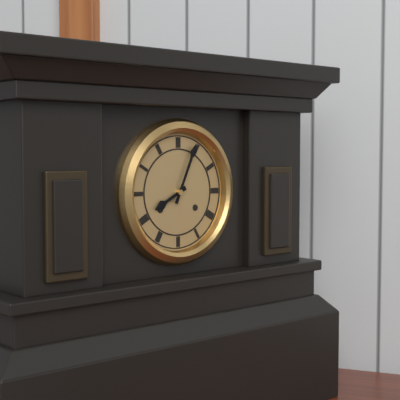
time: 8:04
